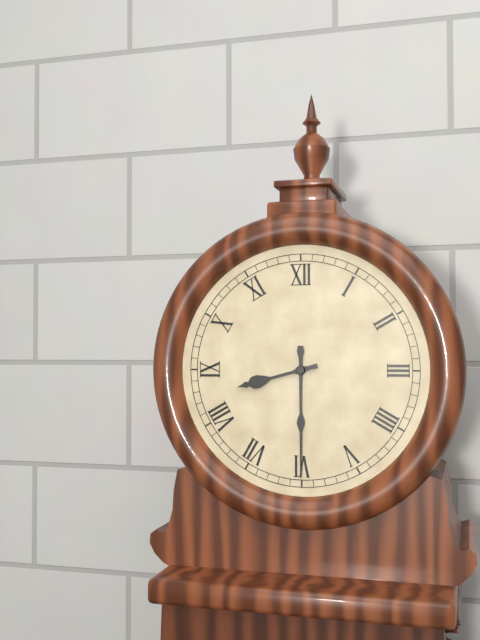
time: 8:30
